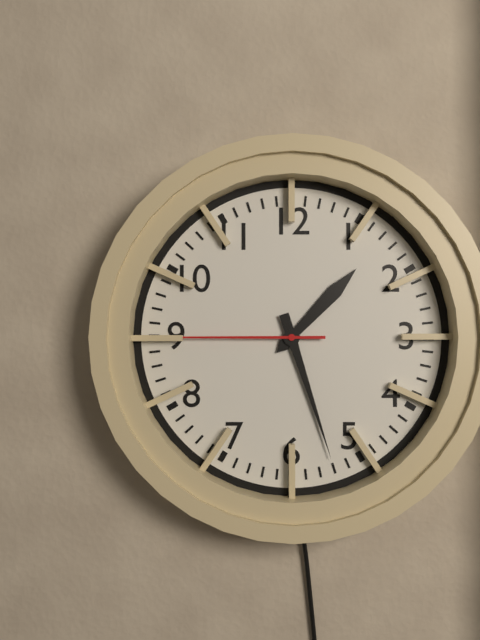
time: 1:27:45
